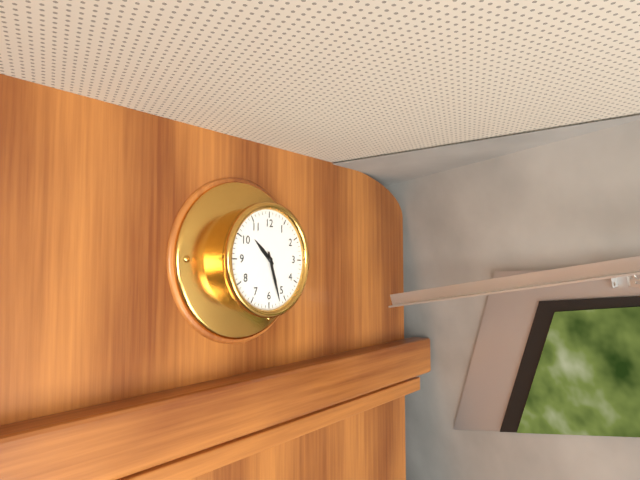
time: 10:27
